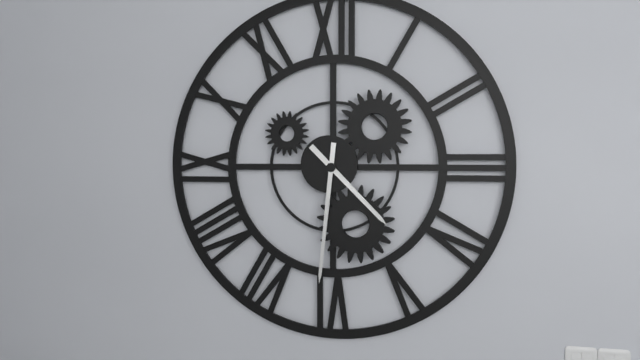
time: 4:31
